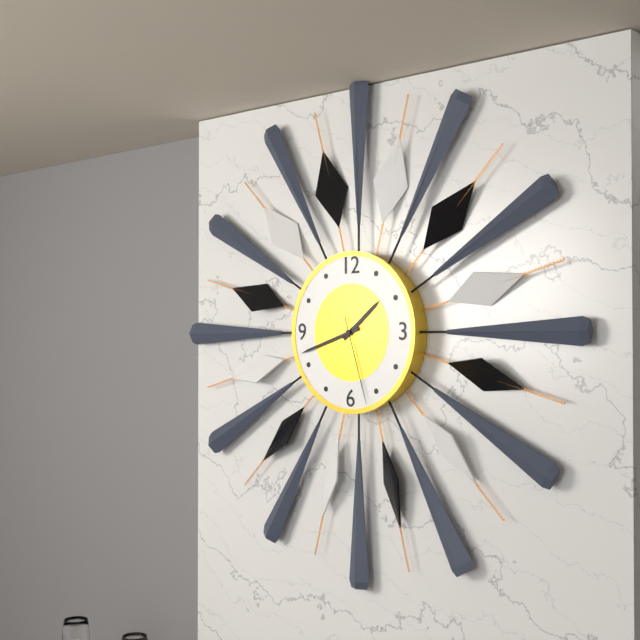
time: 1:42:27
